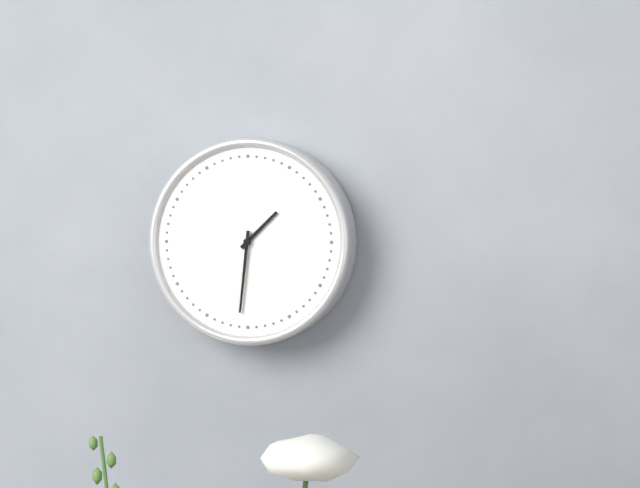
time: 1:31
